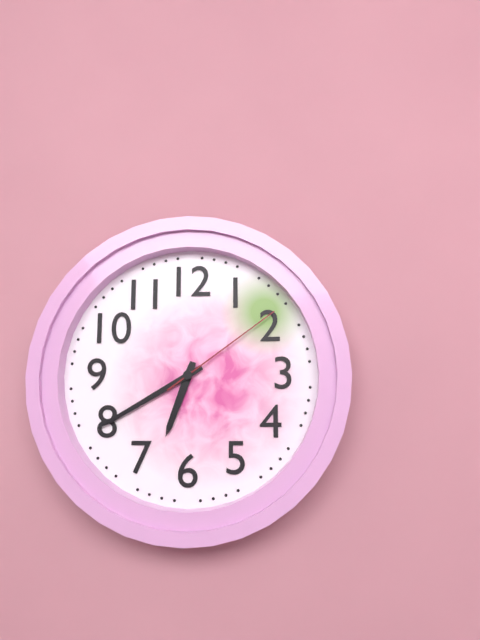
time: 6:40:09
